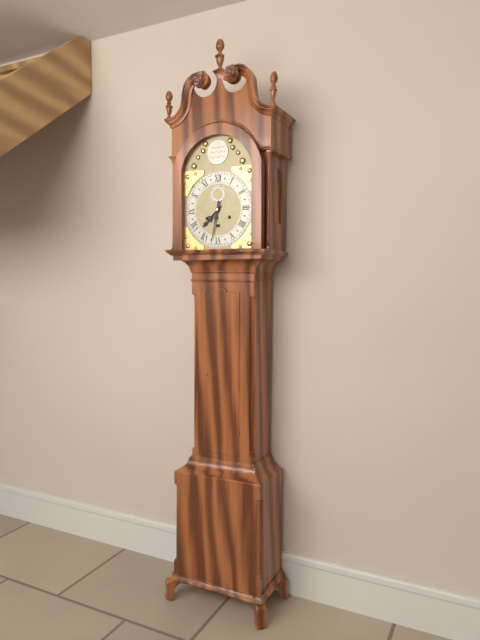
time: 7:32
